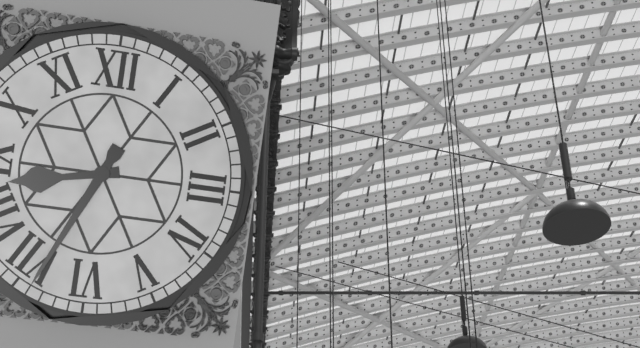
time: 8:34
